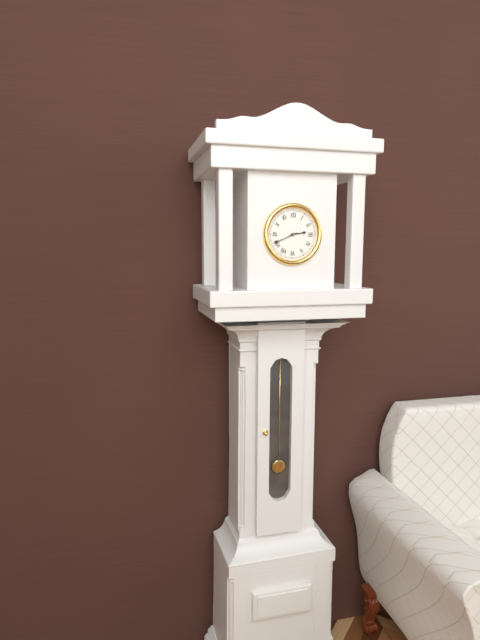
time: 2:41
